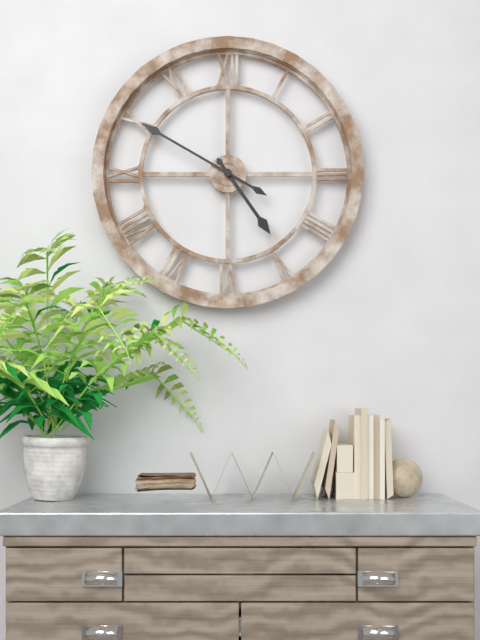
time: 4:50
